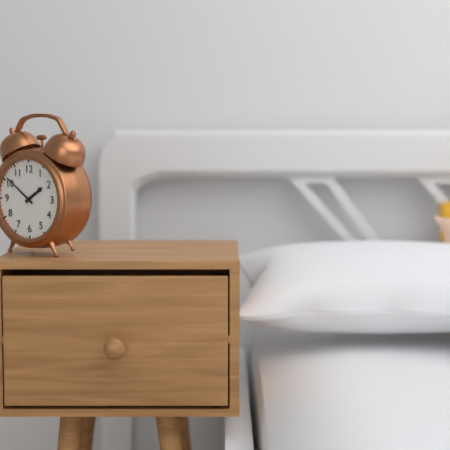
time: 1:51
